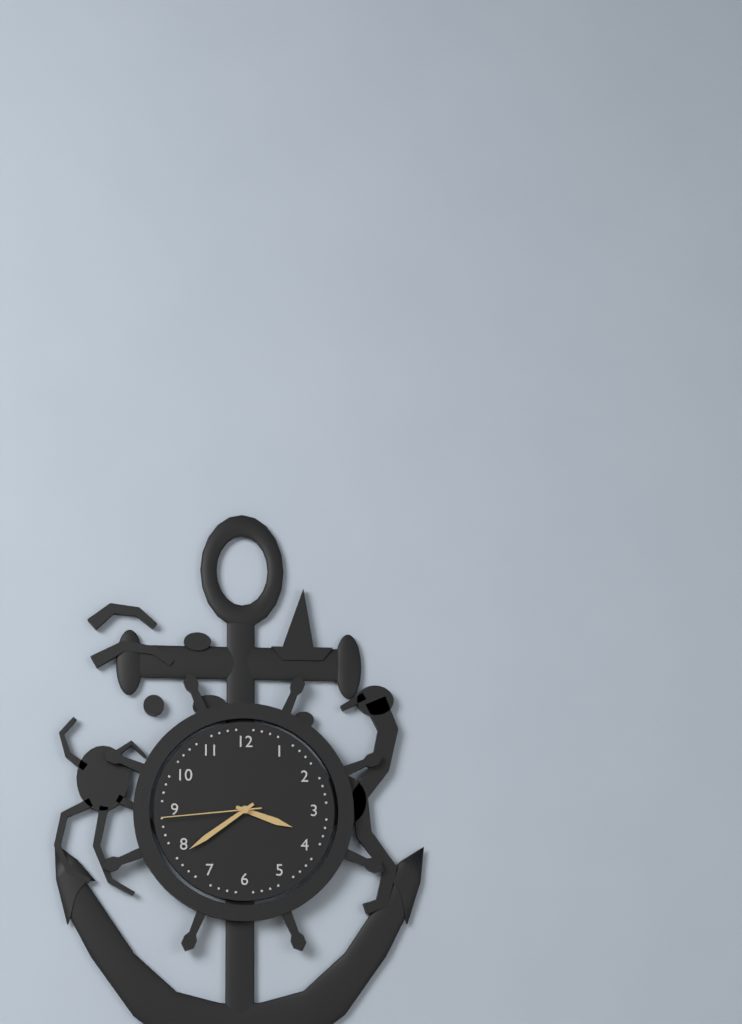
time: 3:39:44
